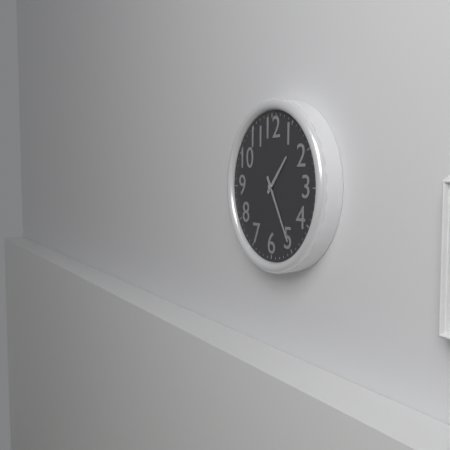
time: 1:25
